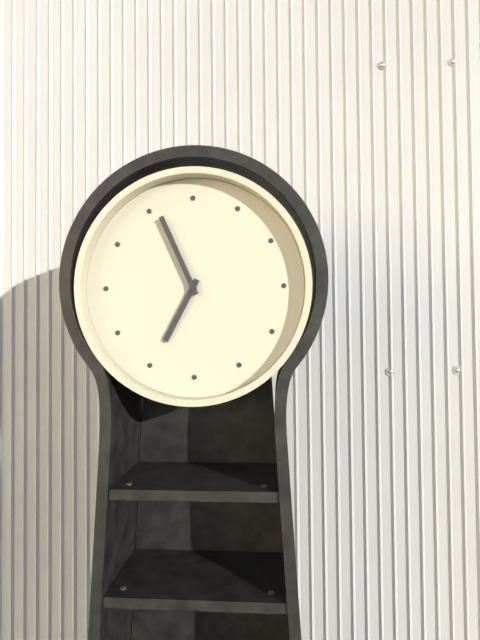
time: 6:56
